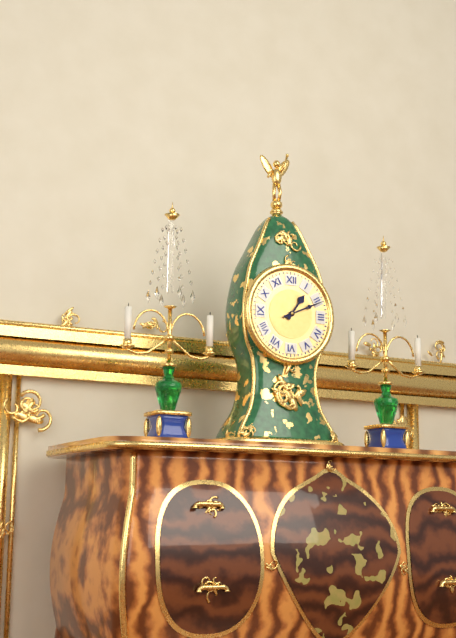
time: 1:11
